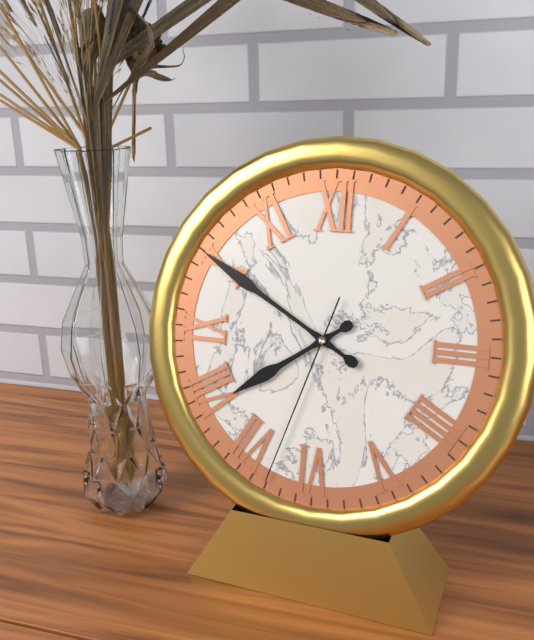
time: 7:50:33
